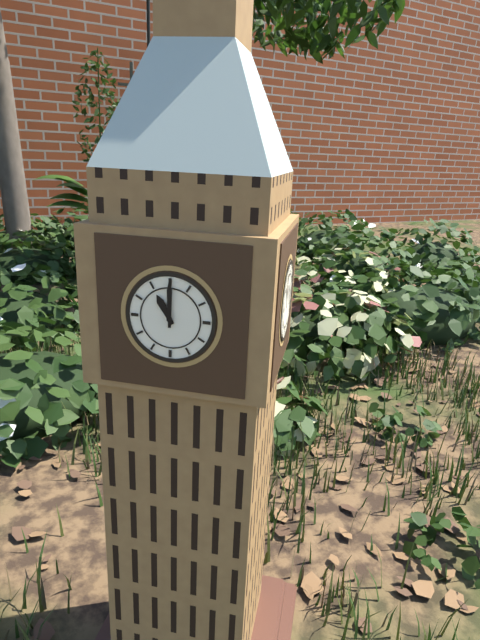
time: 11:00
